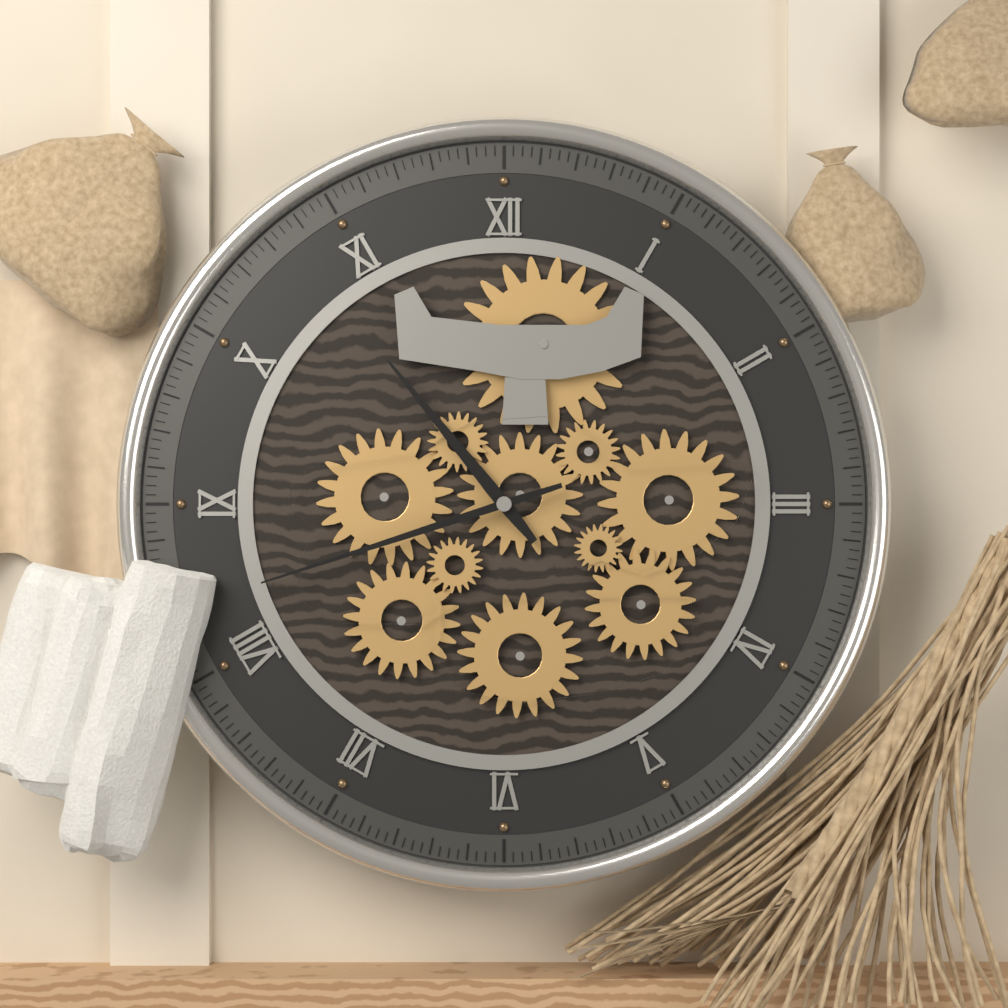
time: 10:42
